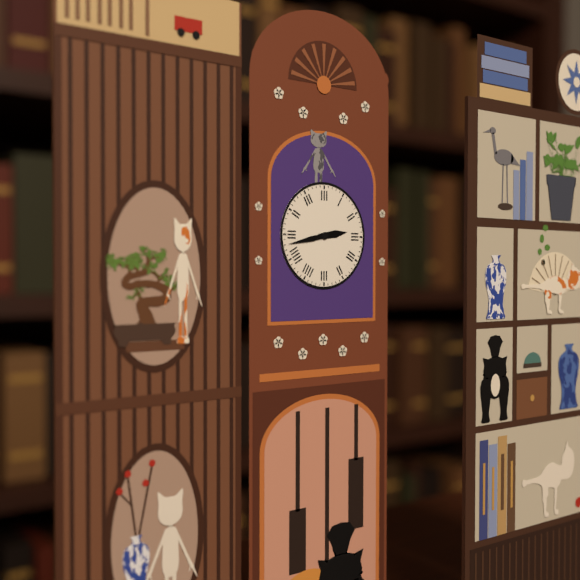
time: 2:43
